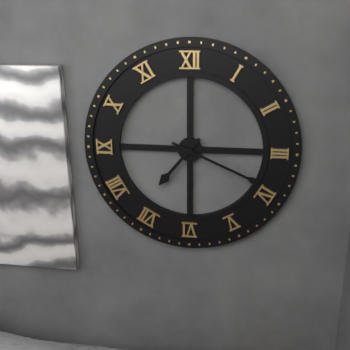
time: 7:19
